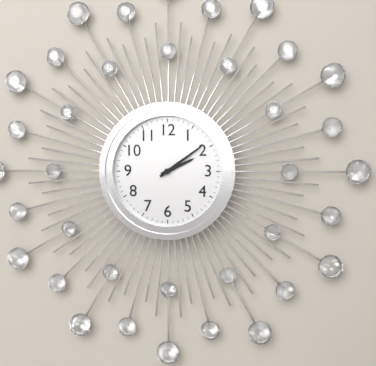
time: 2:09
